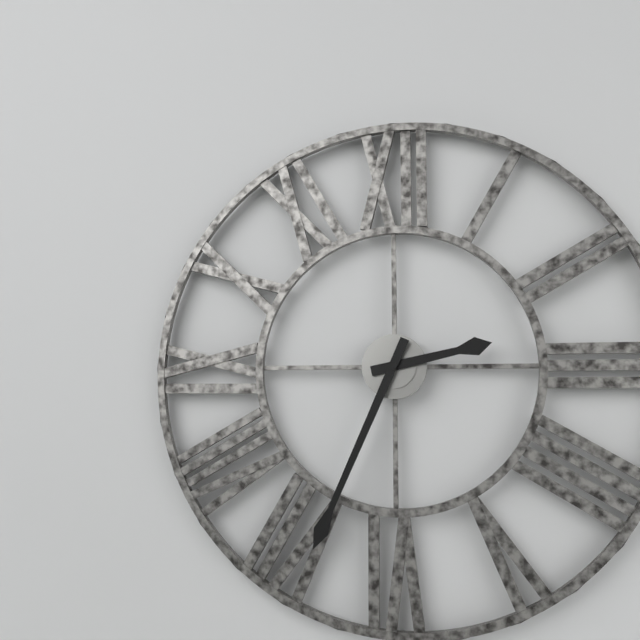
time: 2:34
